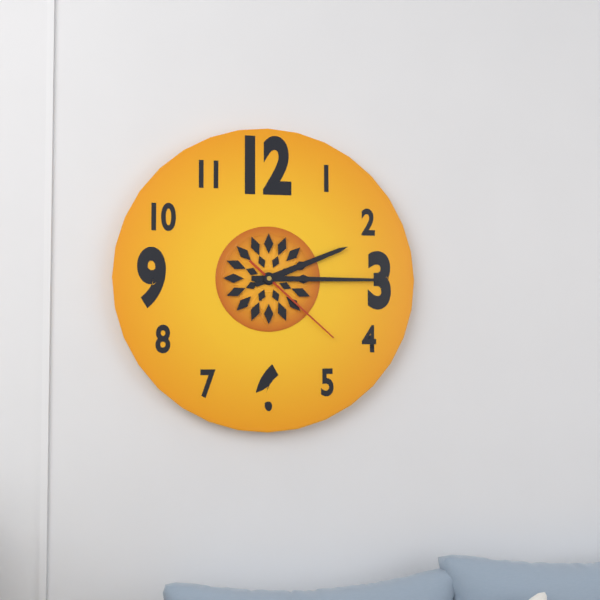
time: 2:15:22
